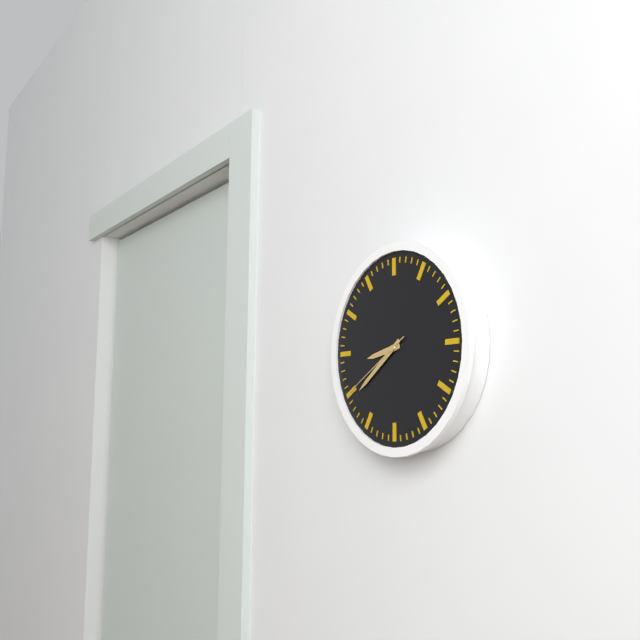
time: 8:39:40
